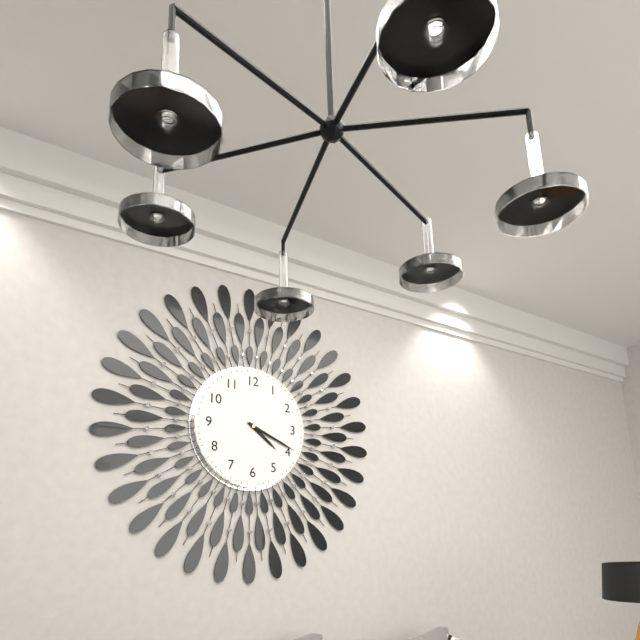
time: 4:19
